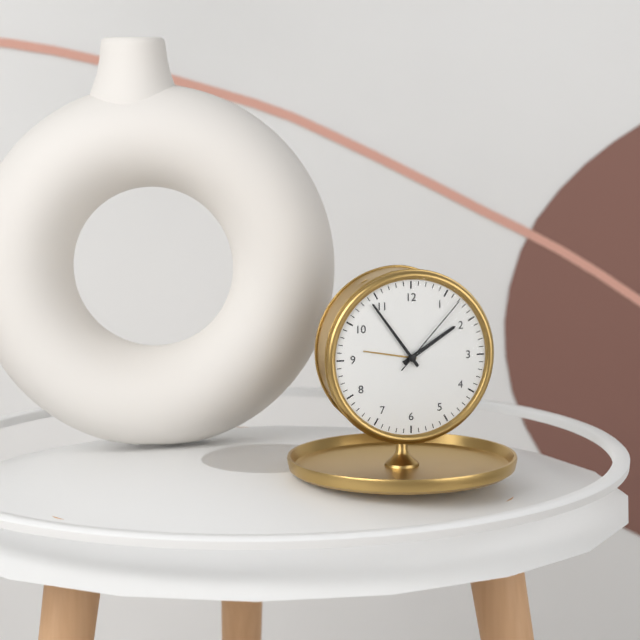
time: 1:54:07
